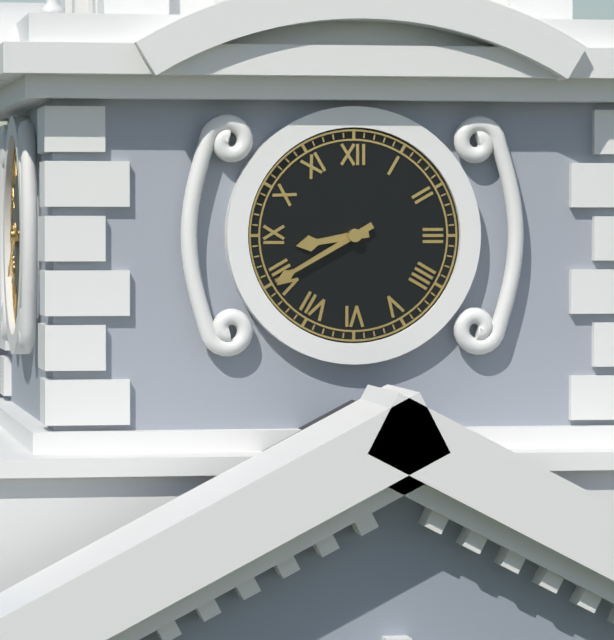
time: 8:40
